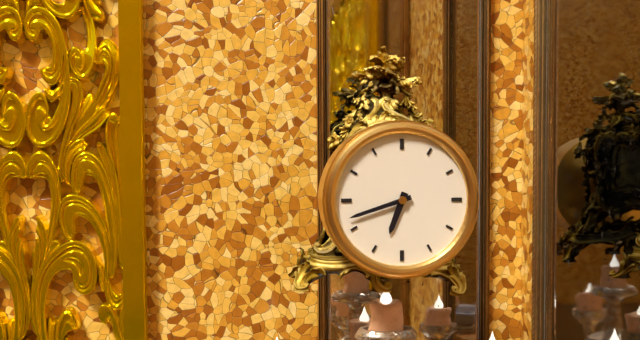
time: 6:42
